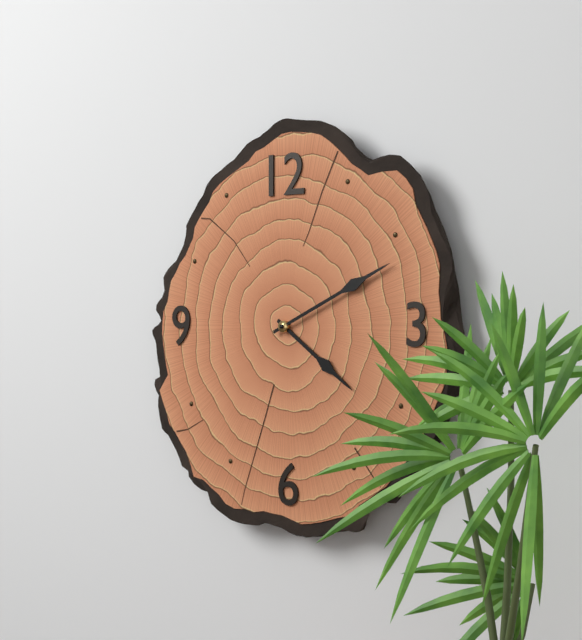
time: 4:11
